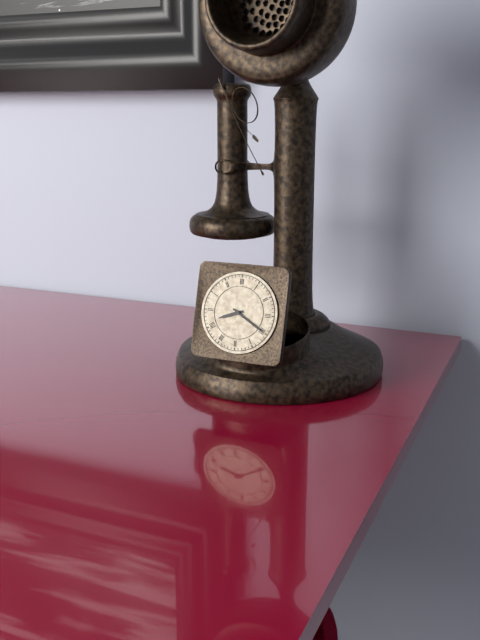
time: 8:20
